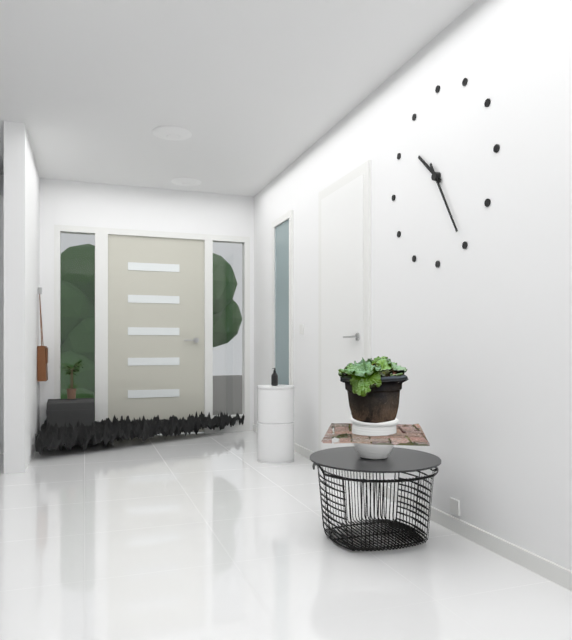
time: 10:25
